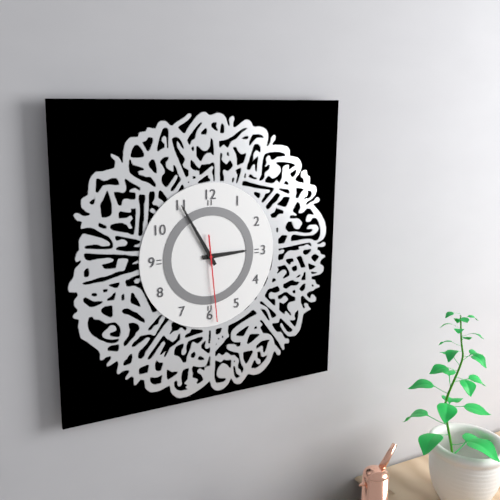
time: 2:55:29
